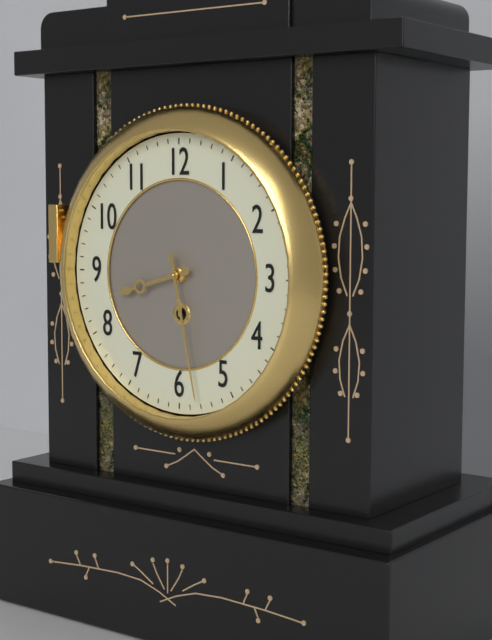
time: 8:28
